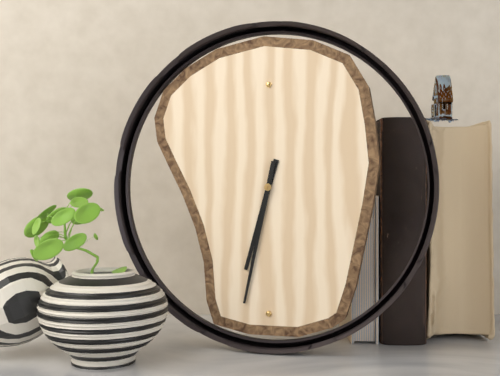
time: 6:32
